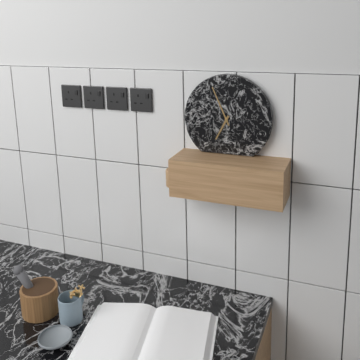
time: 6:56
